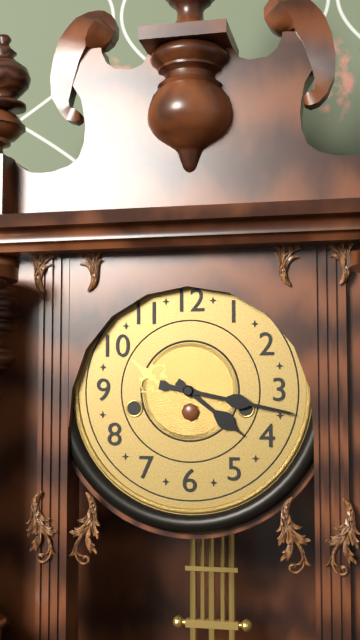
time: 4:17
